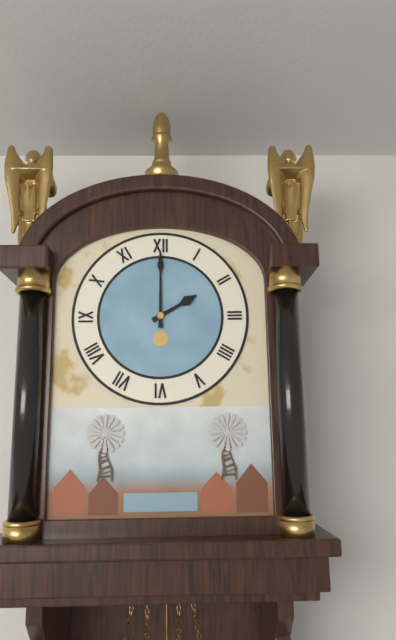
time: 2:00
